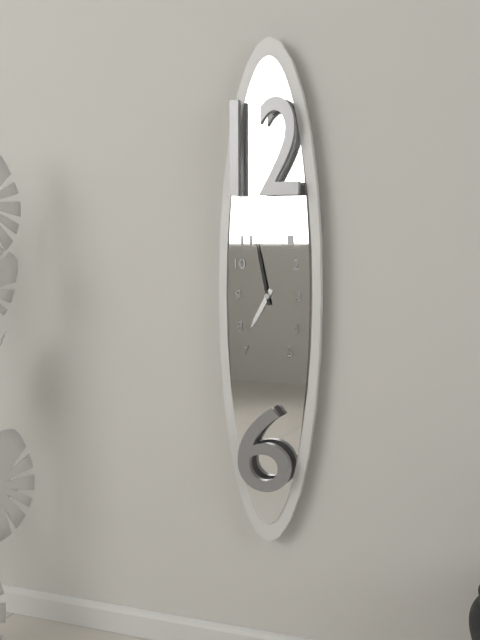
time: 6:58
